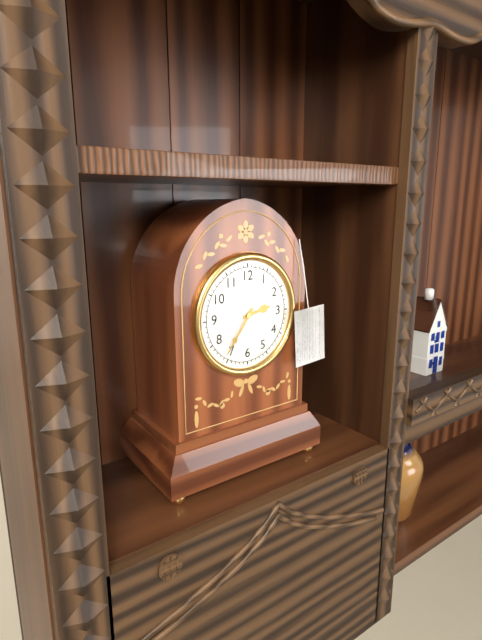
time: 2:36
